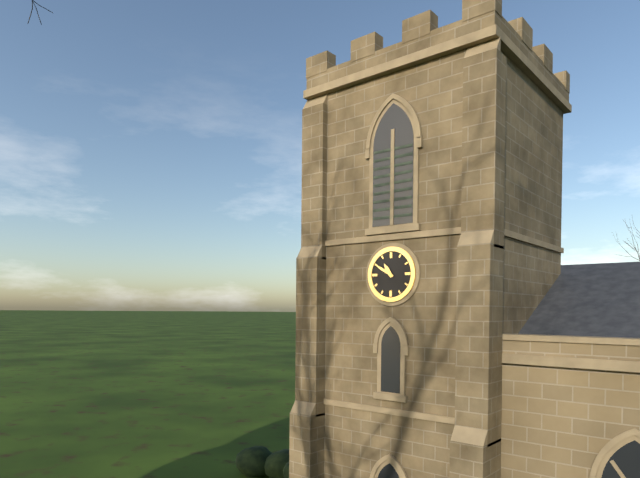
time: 10:50
